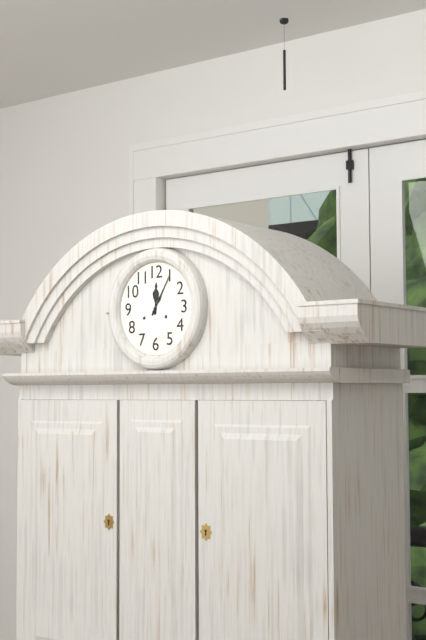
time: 12:05
